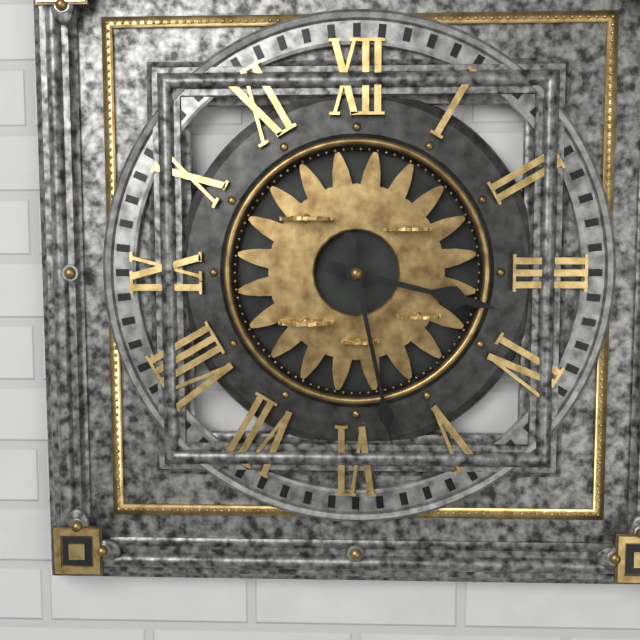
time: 3:28
